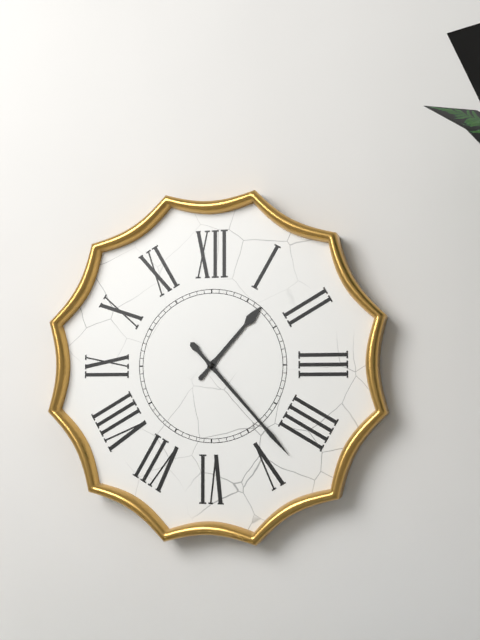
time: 1:23
